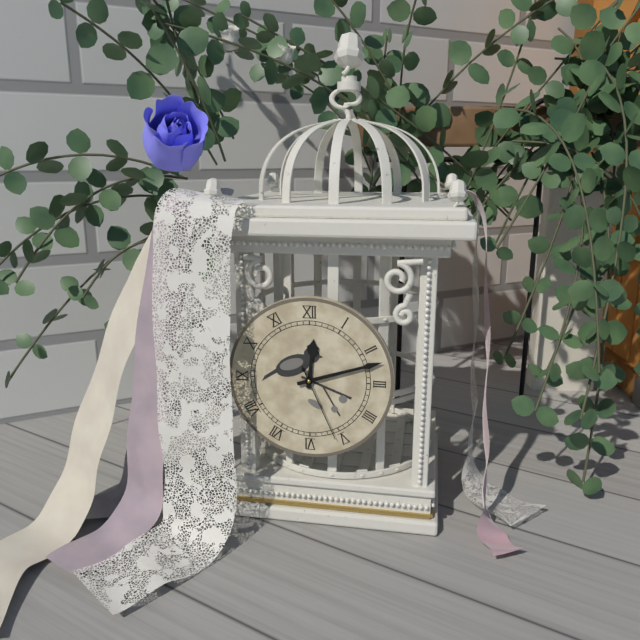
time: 12:12:26
